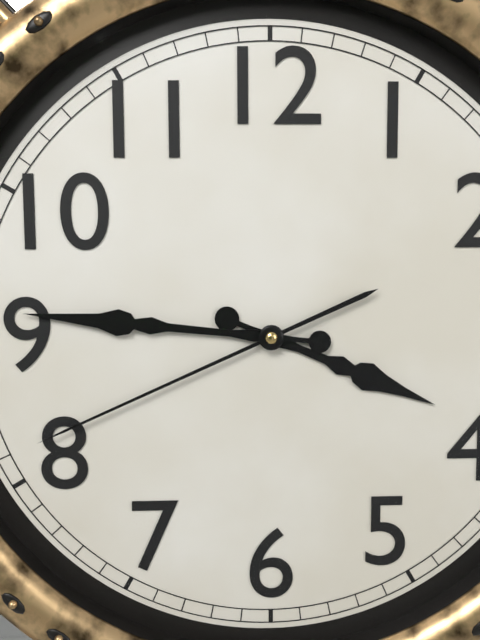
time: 3:46:41
